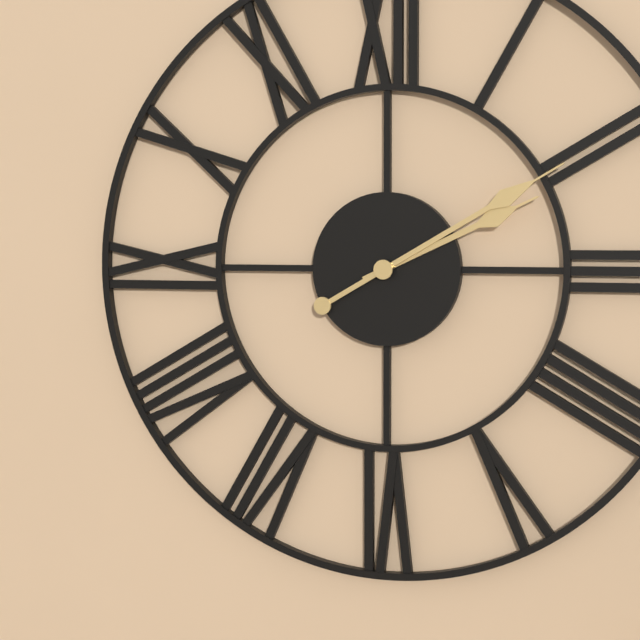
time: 2:10
